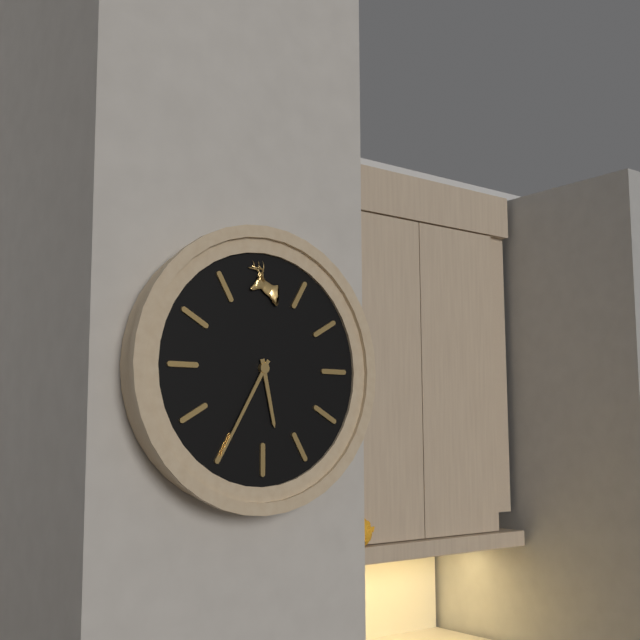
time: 5:35
